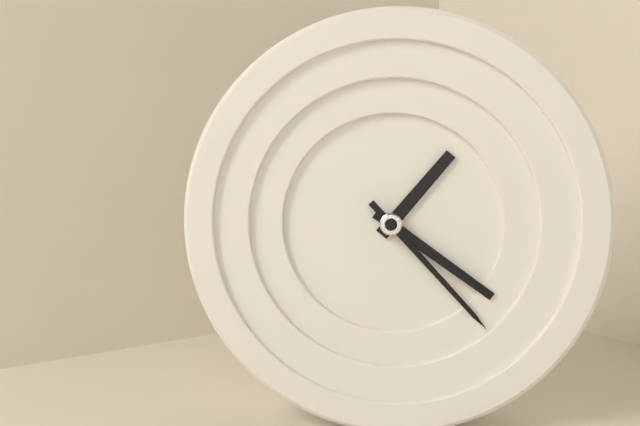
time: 1:21:23
